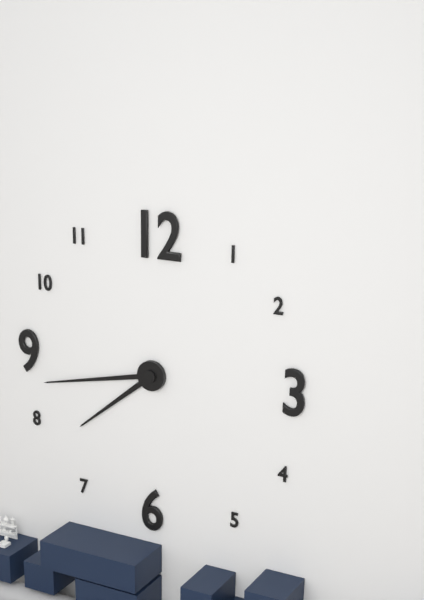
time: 7:43
